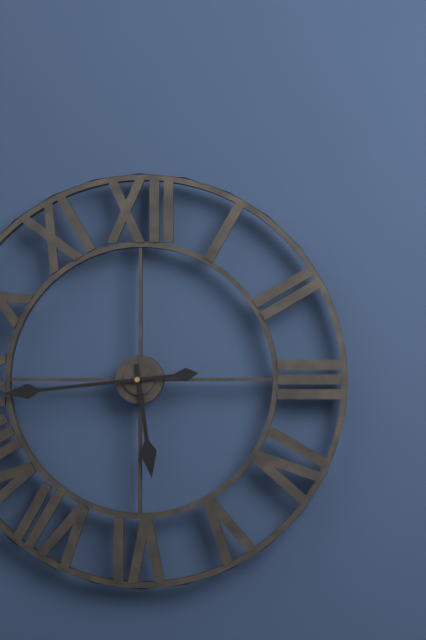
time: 5:44
